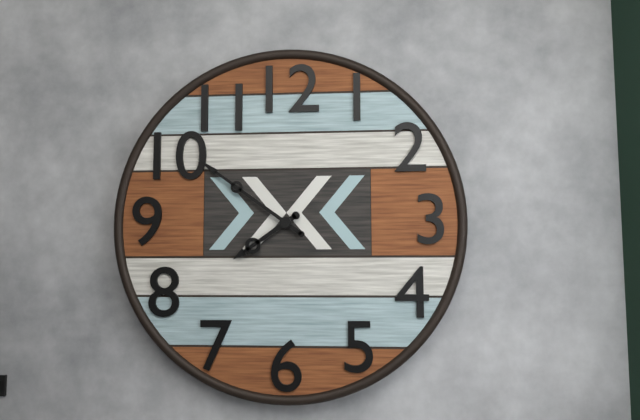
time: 7:51
